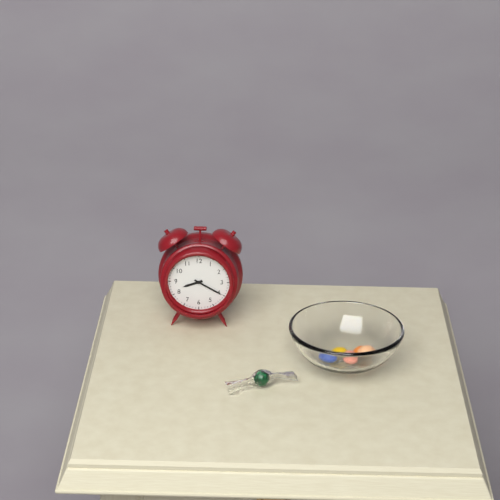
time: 8:20
